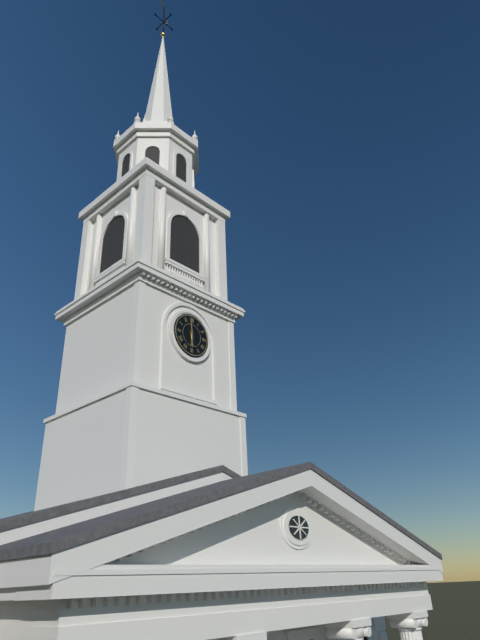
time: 5:59
